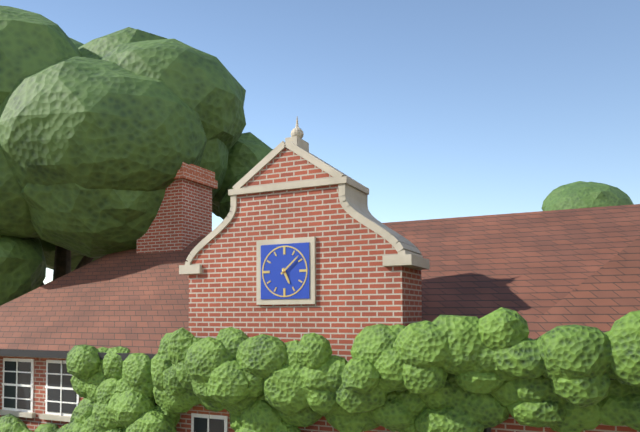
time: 5:08
